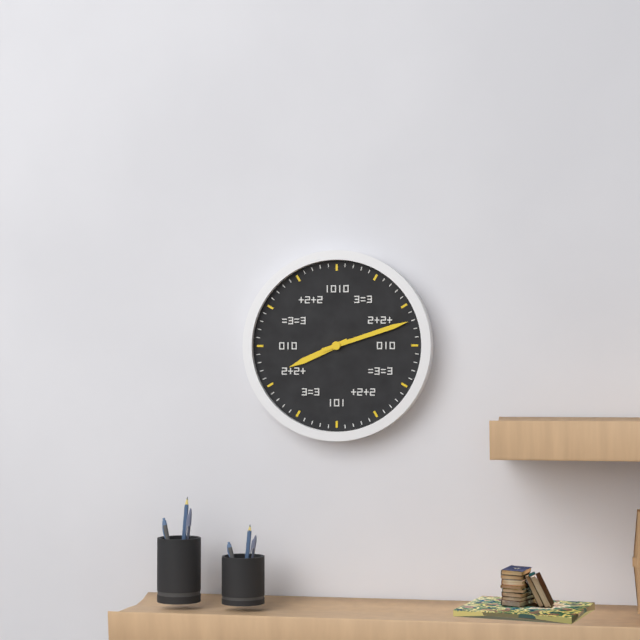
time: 8:12
